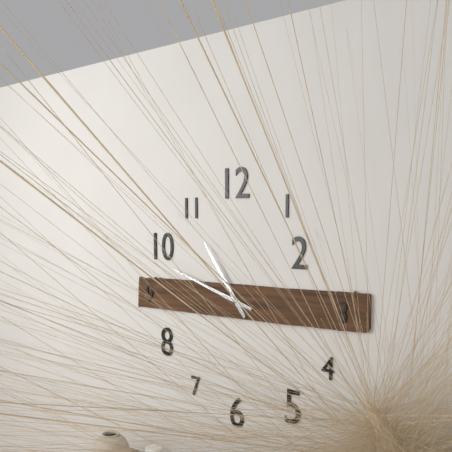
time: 10:48
